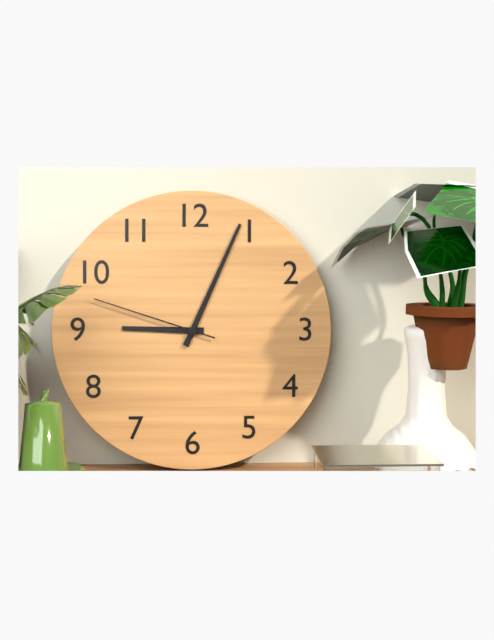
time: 9:04:48
